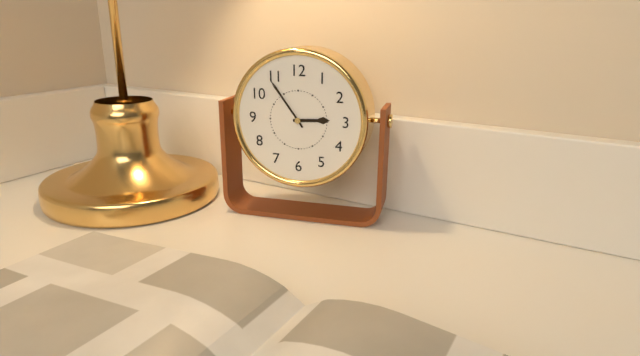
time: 2:54
